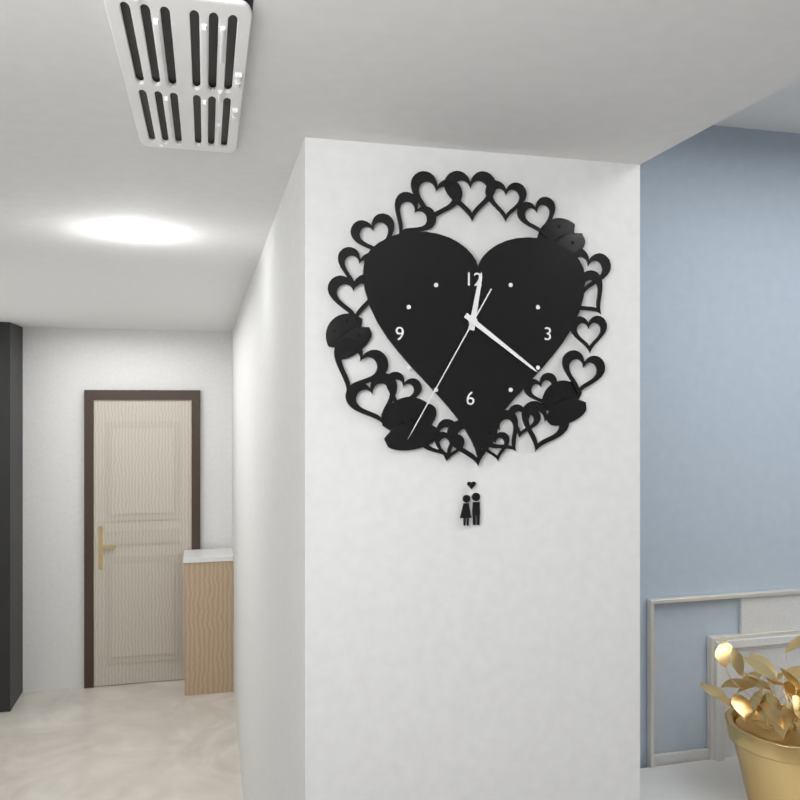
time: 12:21:35
